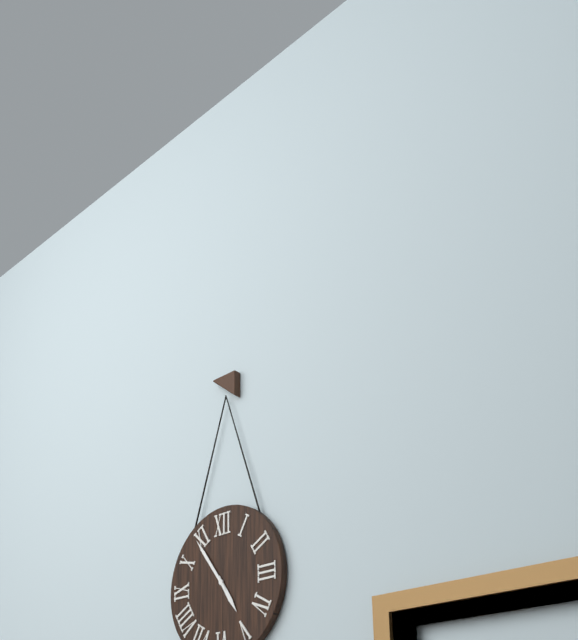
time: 4:54
